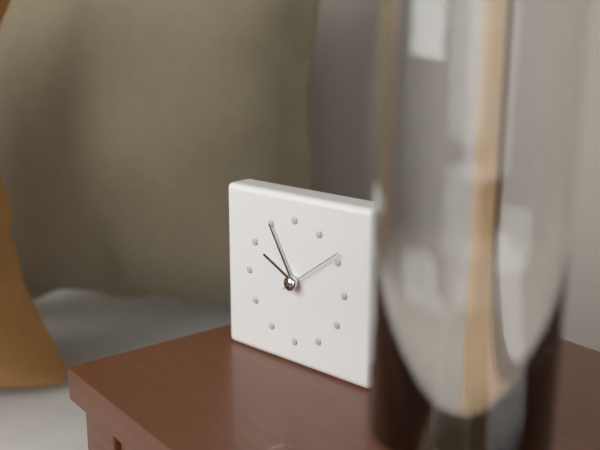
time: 9:55:09
